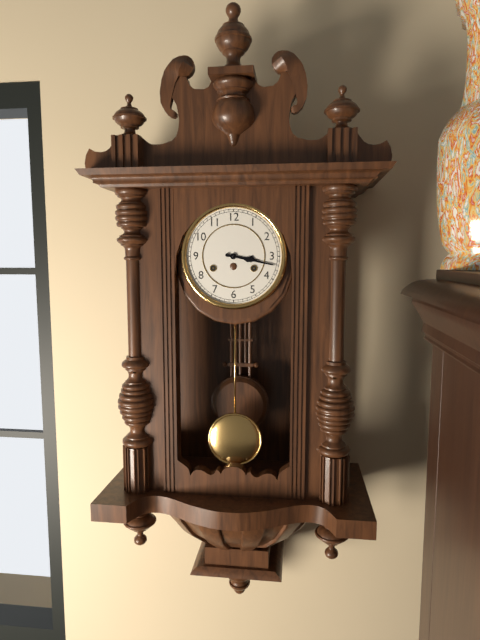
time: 3:17
